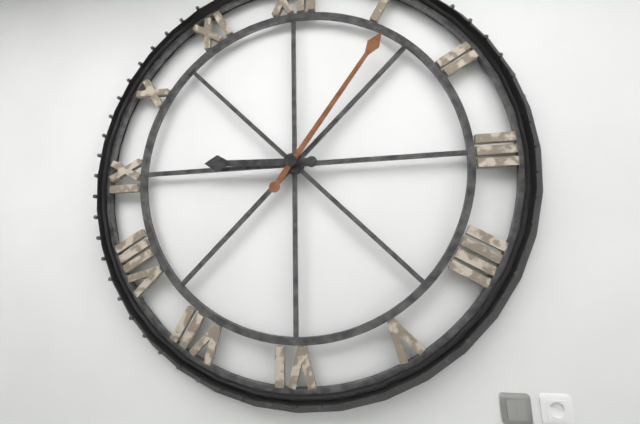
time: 9:06
